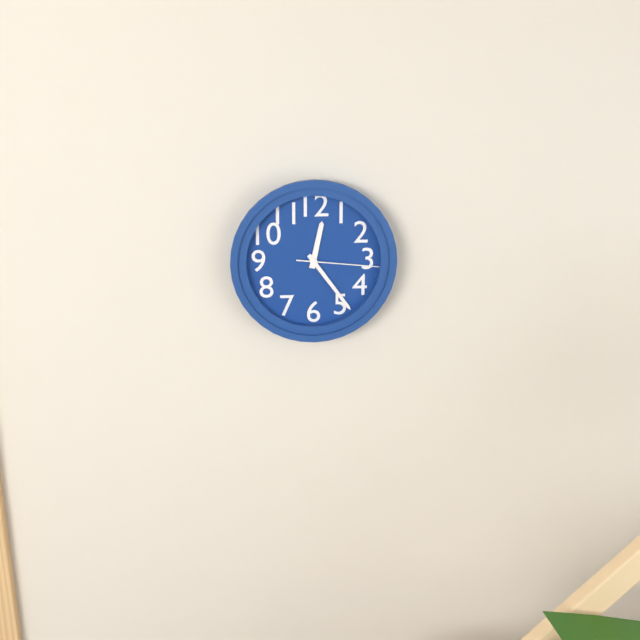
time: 12:24:16
